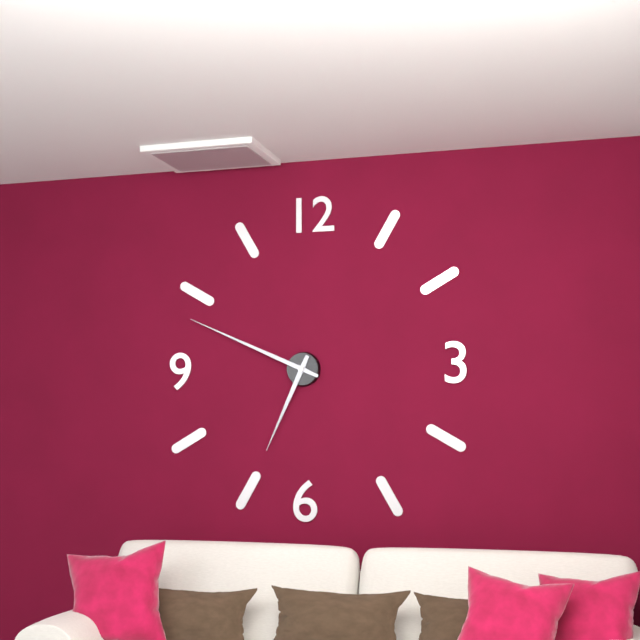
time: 6:49
